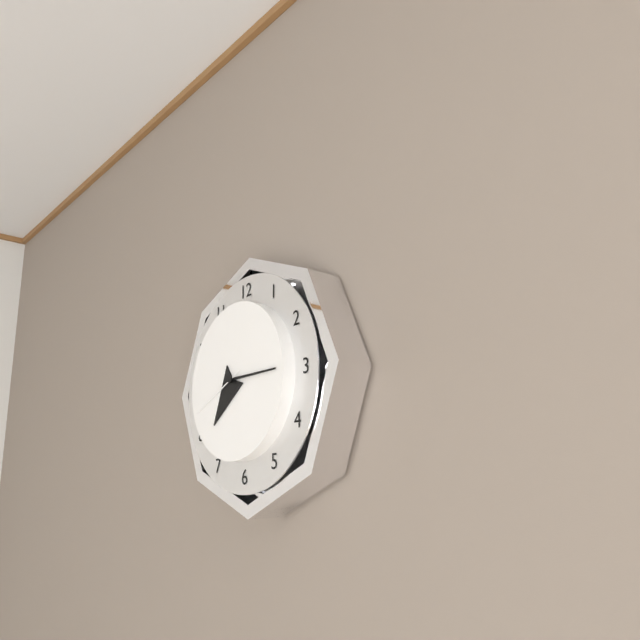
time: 7:15:41
